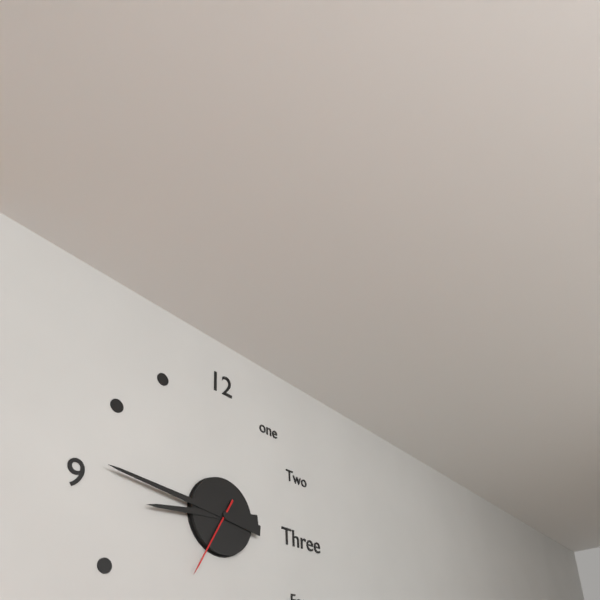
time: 8:46:35
